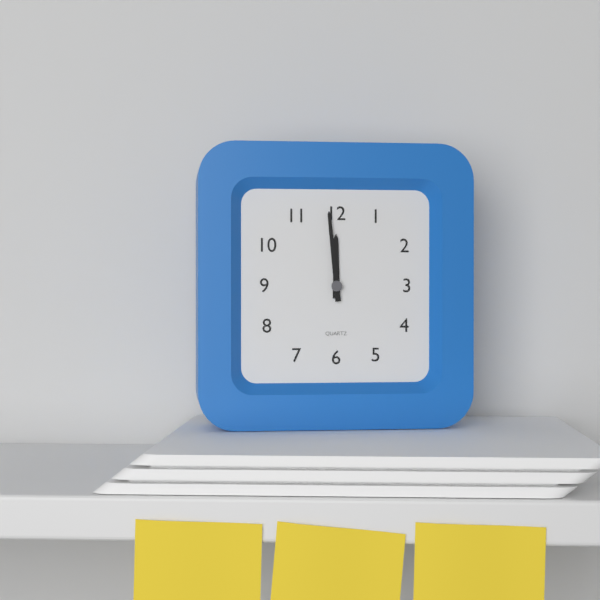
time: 11:59
